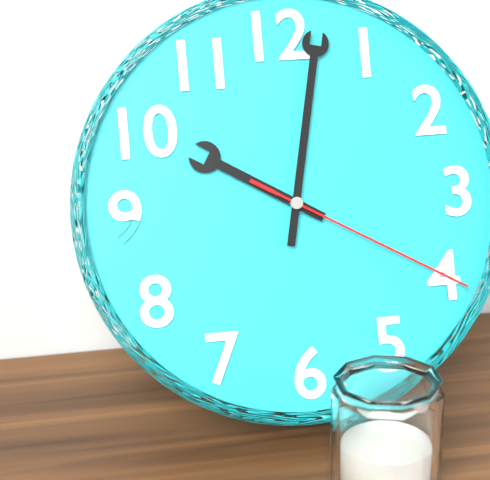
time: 10:02:20
